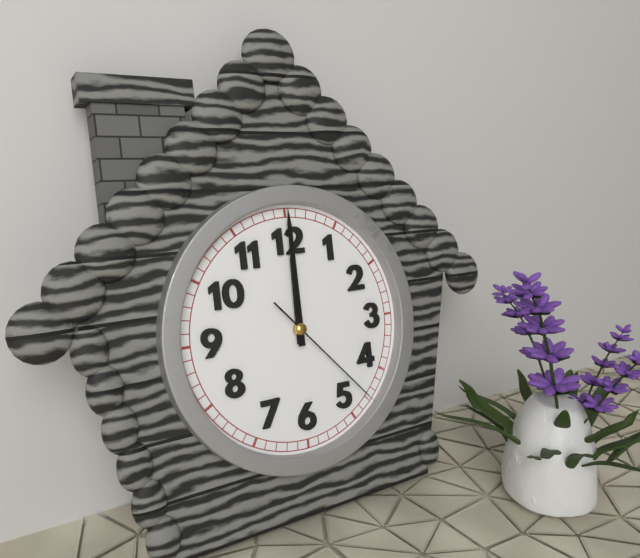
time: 12:00:23
